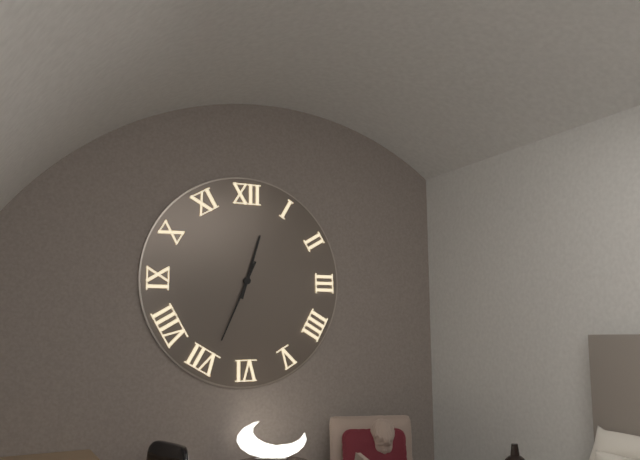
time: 12:34
